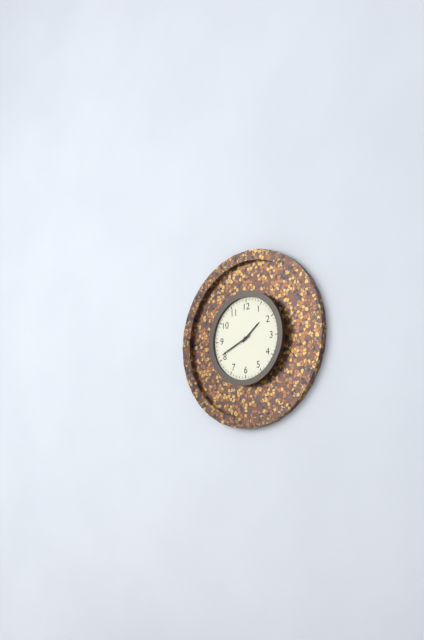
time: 1:41
